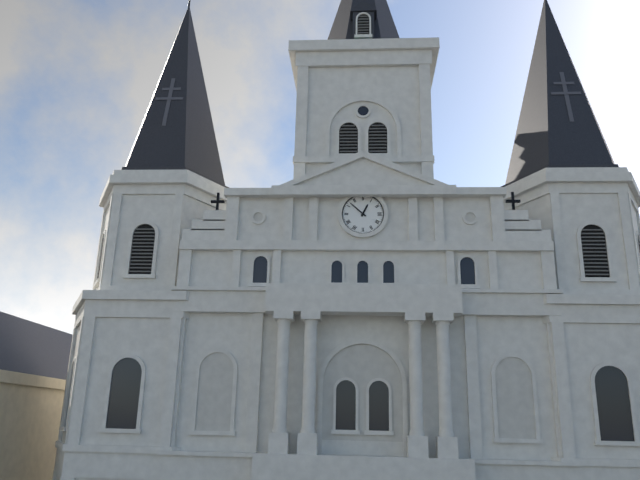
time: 12:52
